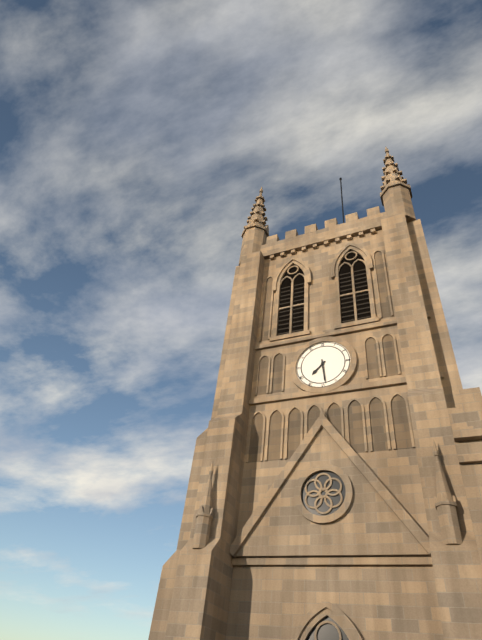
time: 7:29
